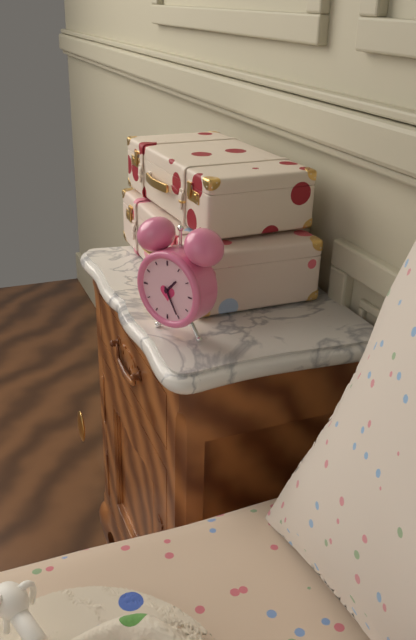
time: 1:25
